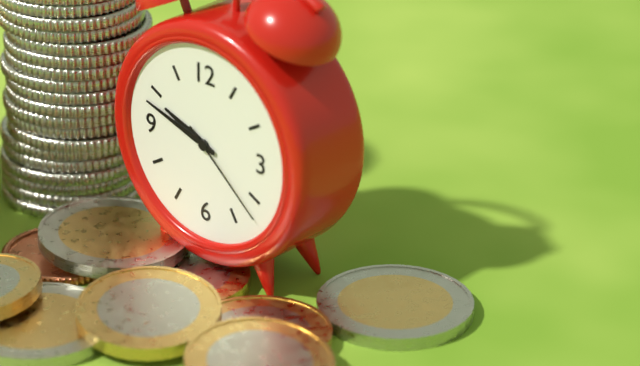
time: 9:48:22
